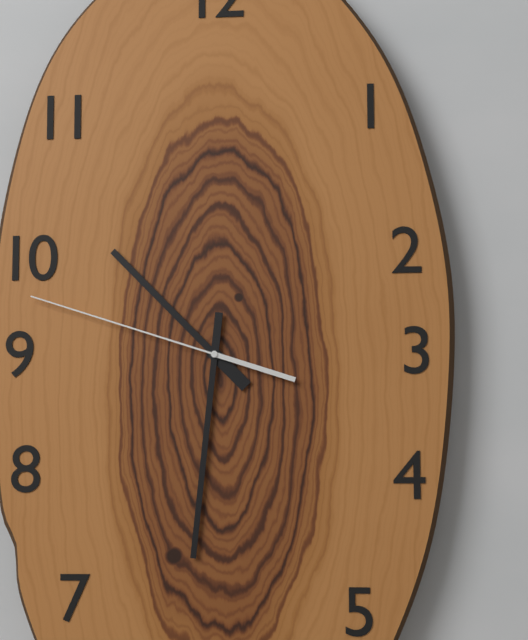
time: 10:31:48
